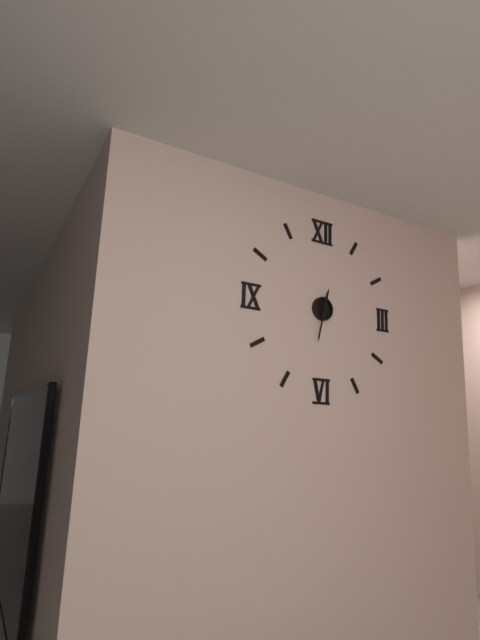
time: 12:32
